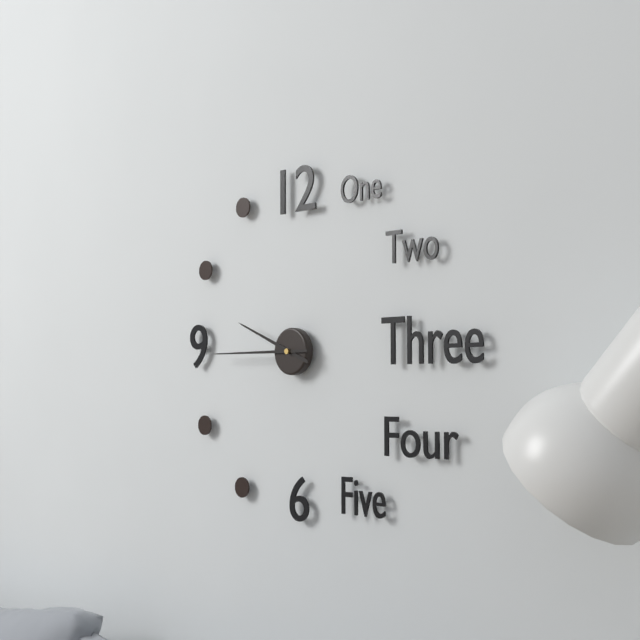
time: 9:45
